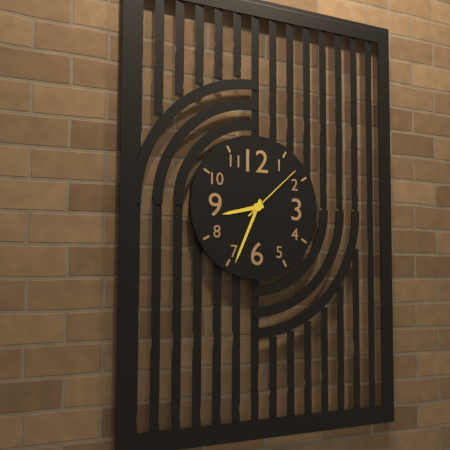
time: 8:34:08
